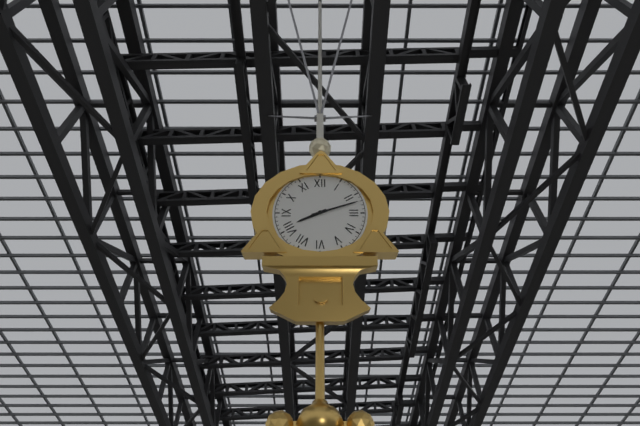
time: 8:12
